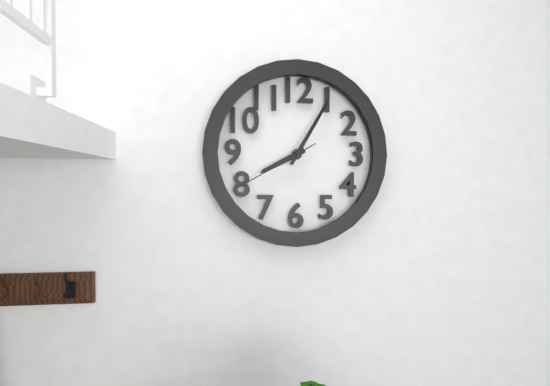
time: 8:05:40
